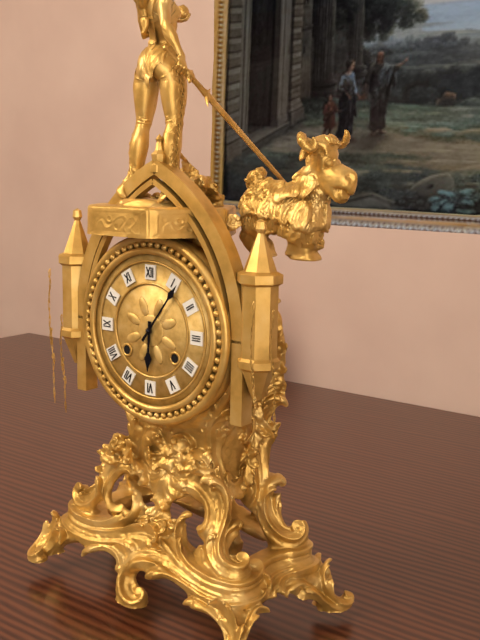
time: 6:06
